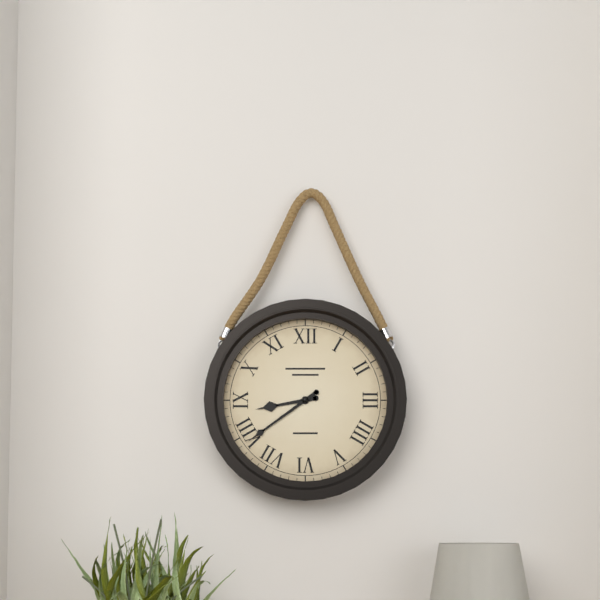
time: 8:39
